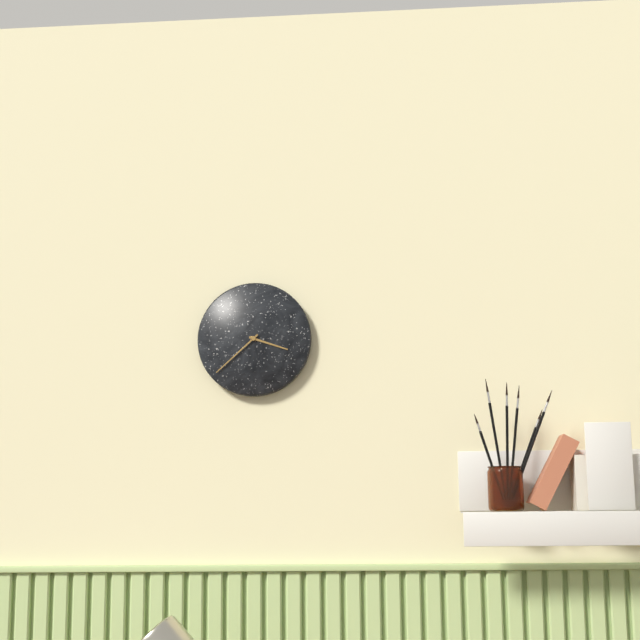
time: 3:38
